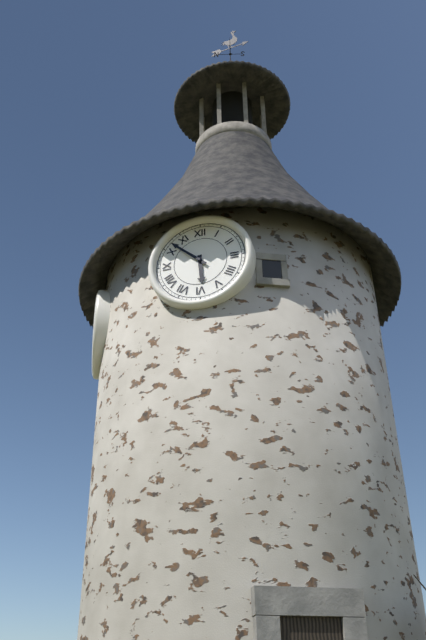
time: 5:52
